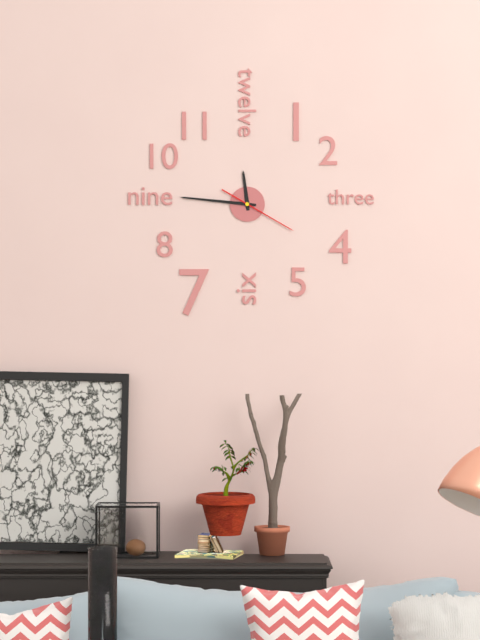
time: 11:46:20
